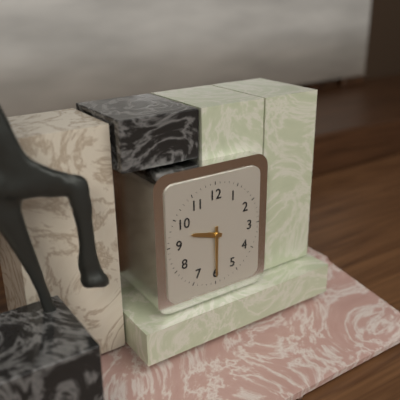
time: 9:30
